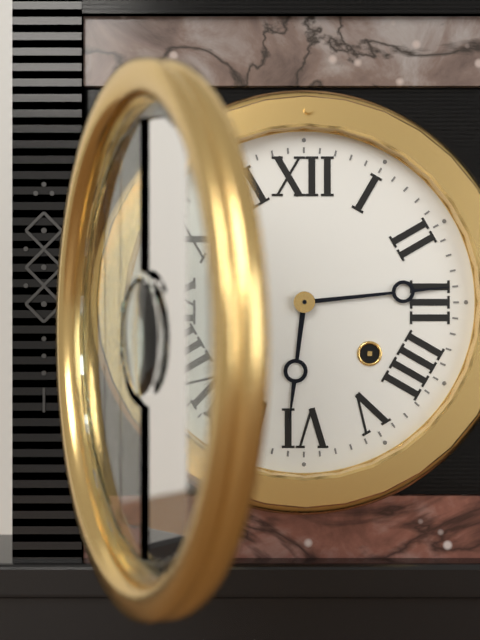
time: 6:14
